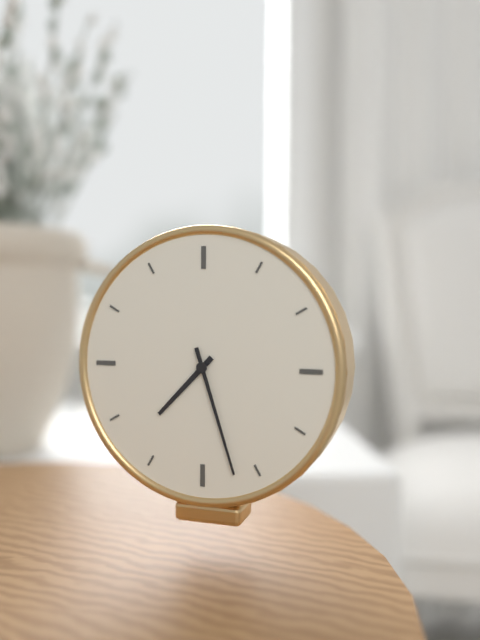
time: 7:27
